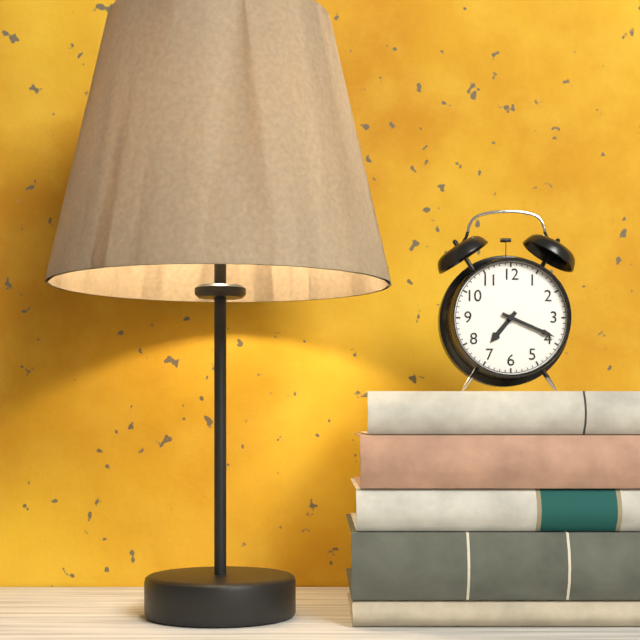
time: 7:19
